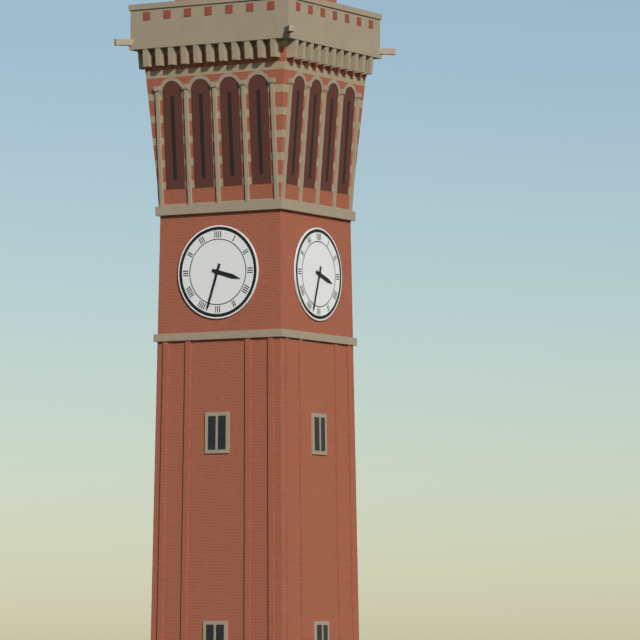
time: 3:33
